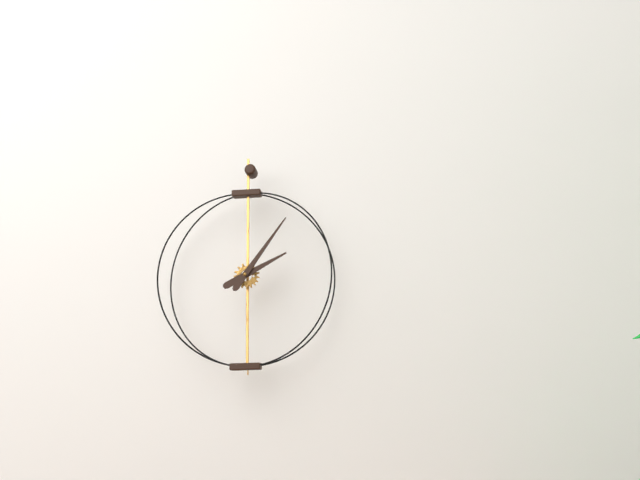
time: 2:06
